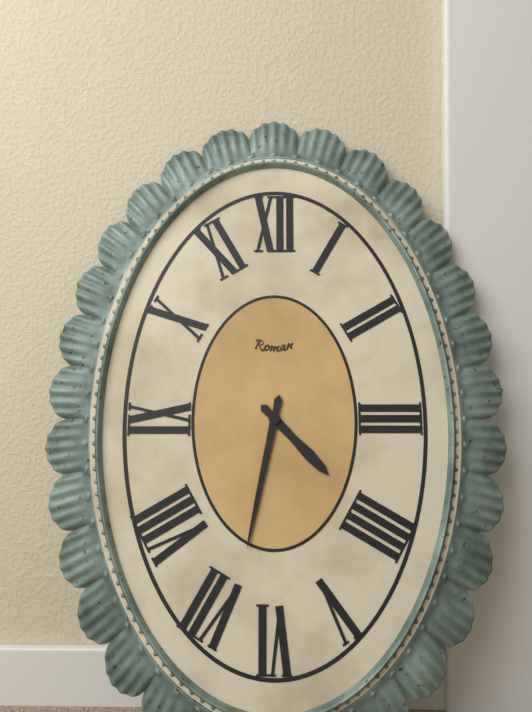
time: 4:32
